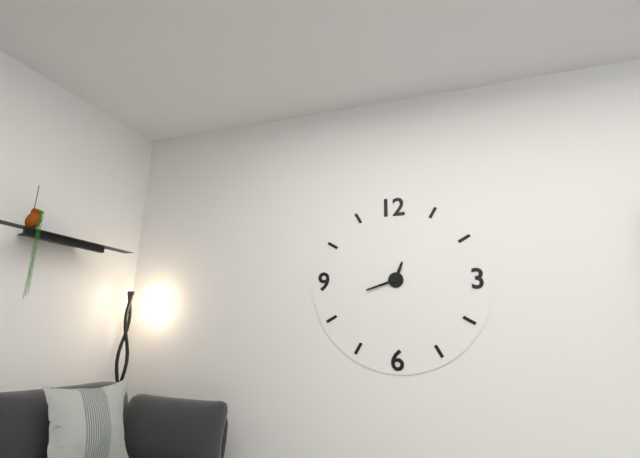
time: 12:42
